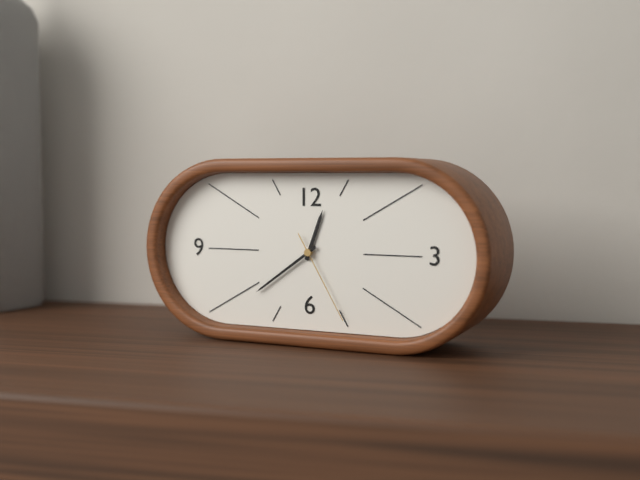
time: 12:39:25
